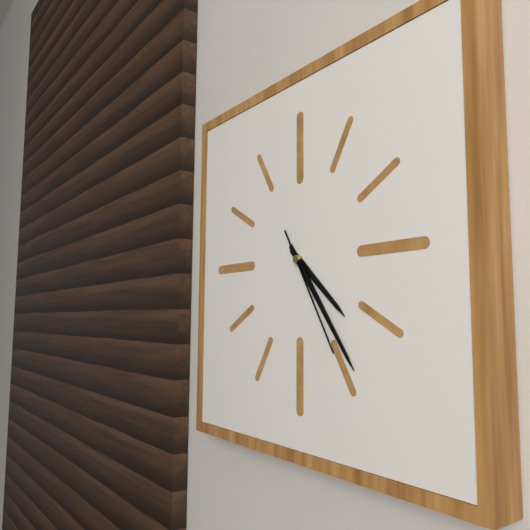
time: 4:24:25
